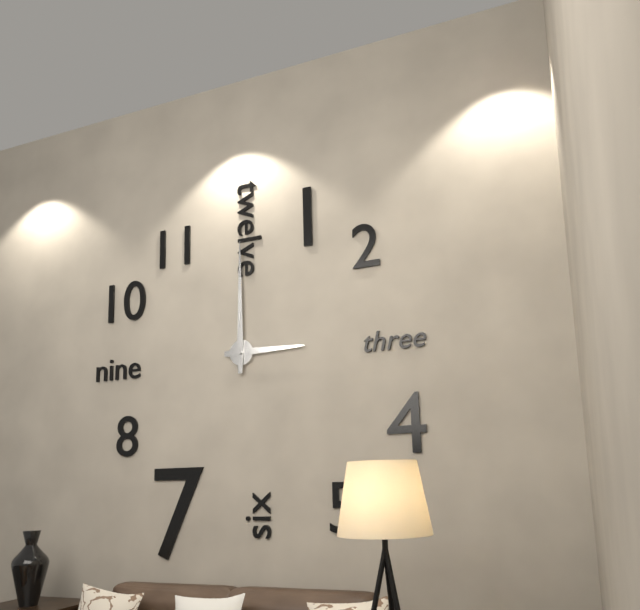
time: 3:00
